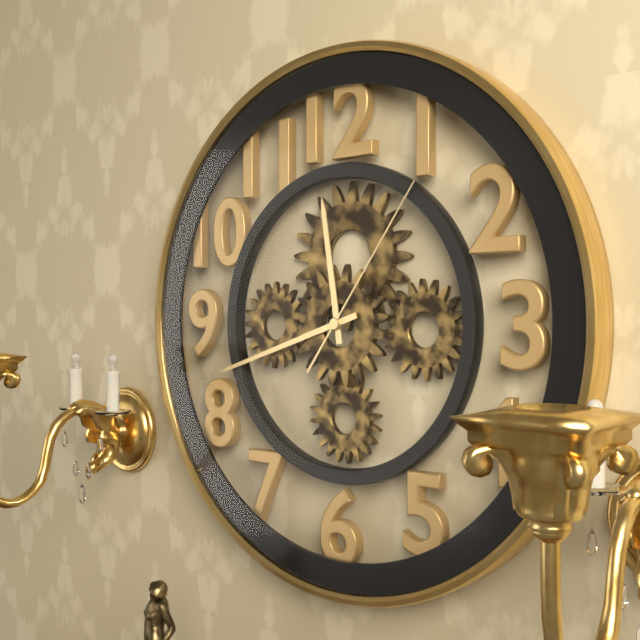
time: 11:42:06
